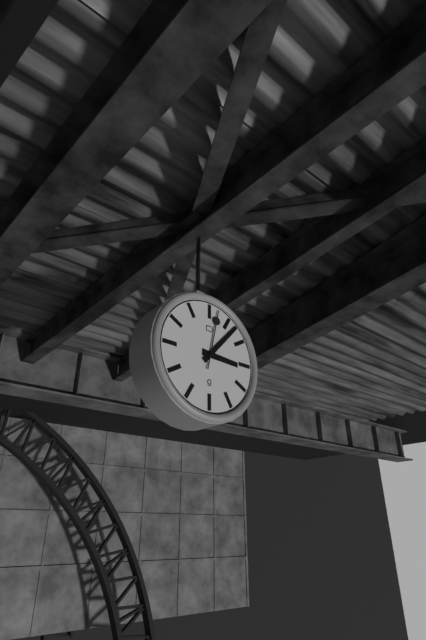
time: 3:07:02
